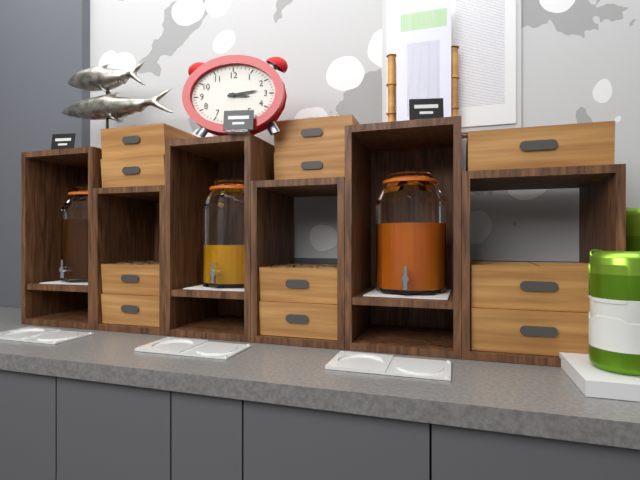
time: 3:14
